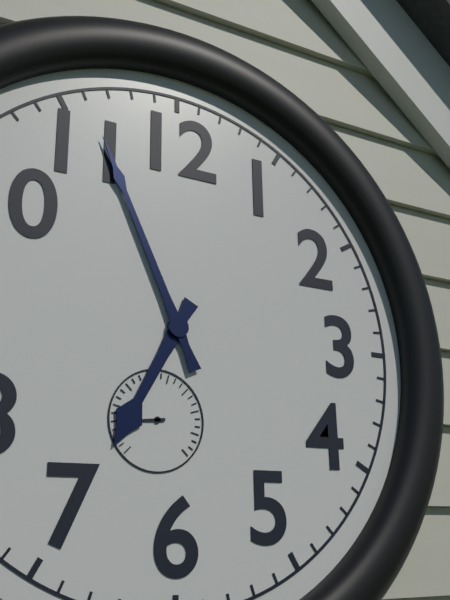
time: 6:56
